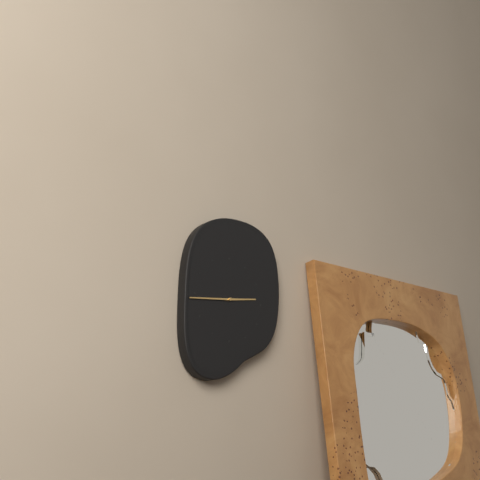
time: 2:44
